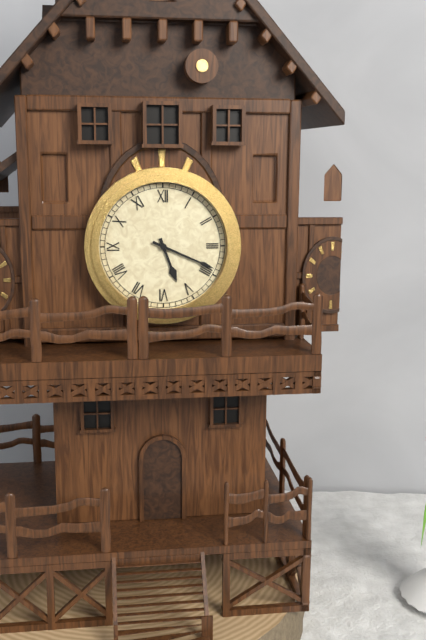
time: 5:19
